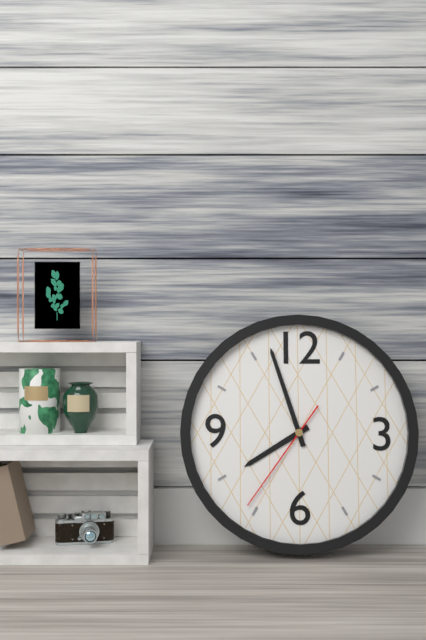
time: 7:57:36
